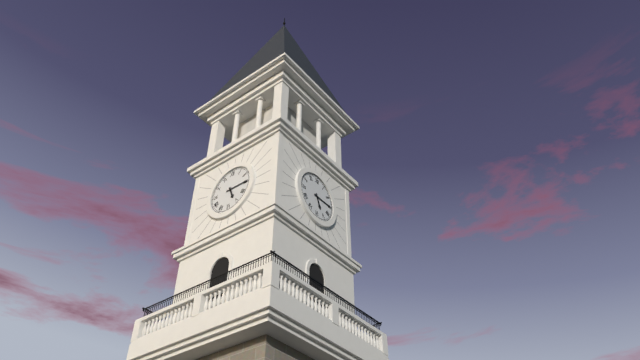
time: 5:15
